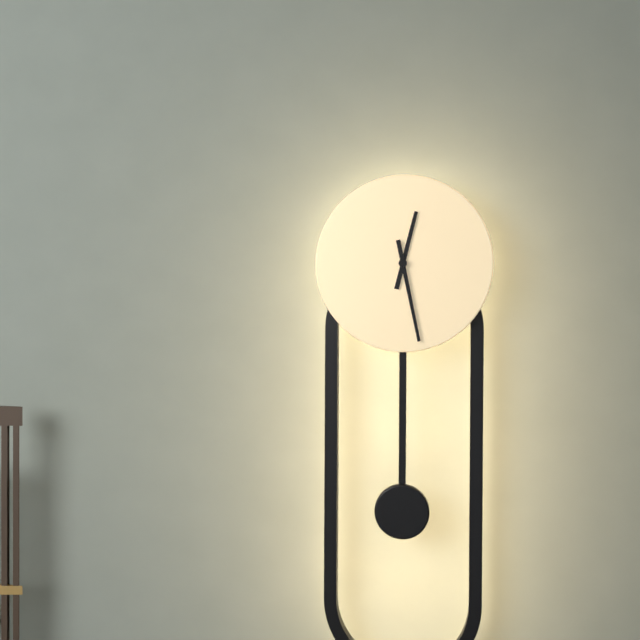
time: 12:28
